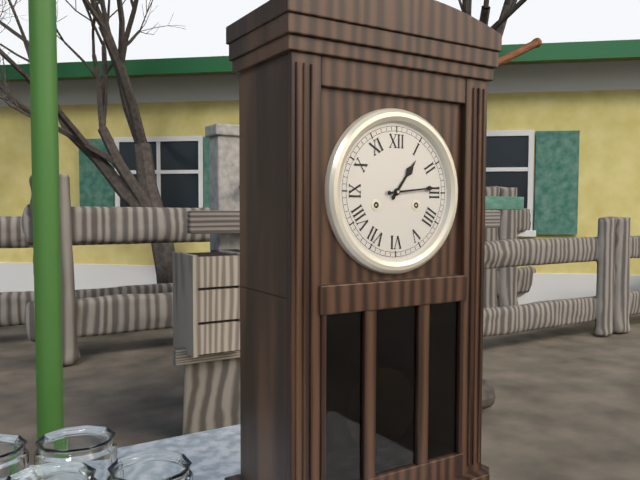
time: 1:14
